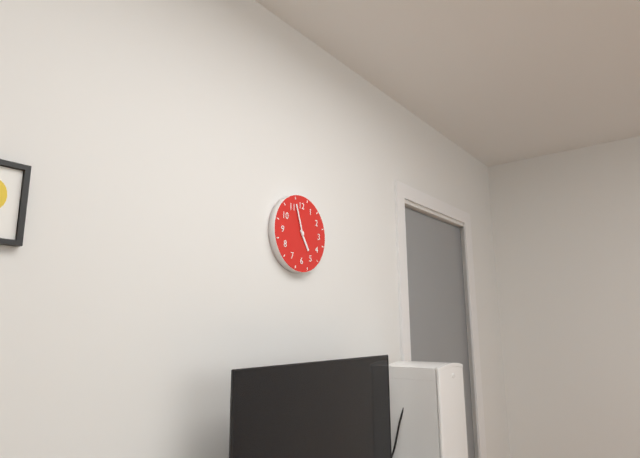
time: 4:57
